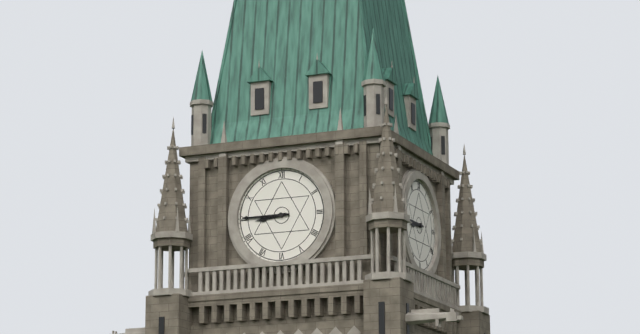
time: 8:45
